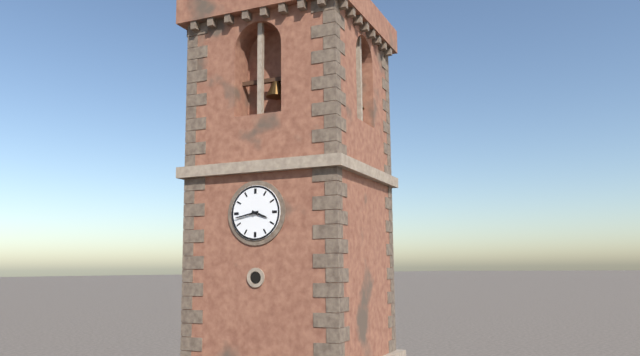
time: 3:43
